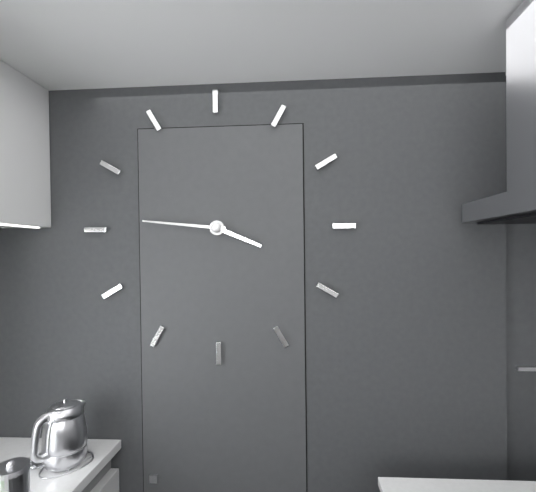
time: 3:46
